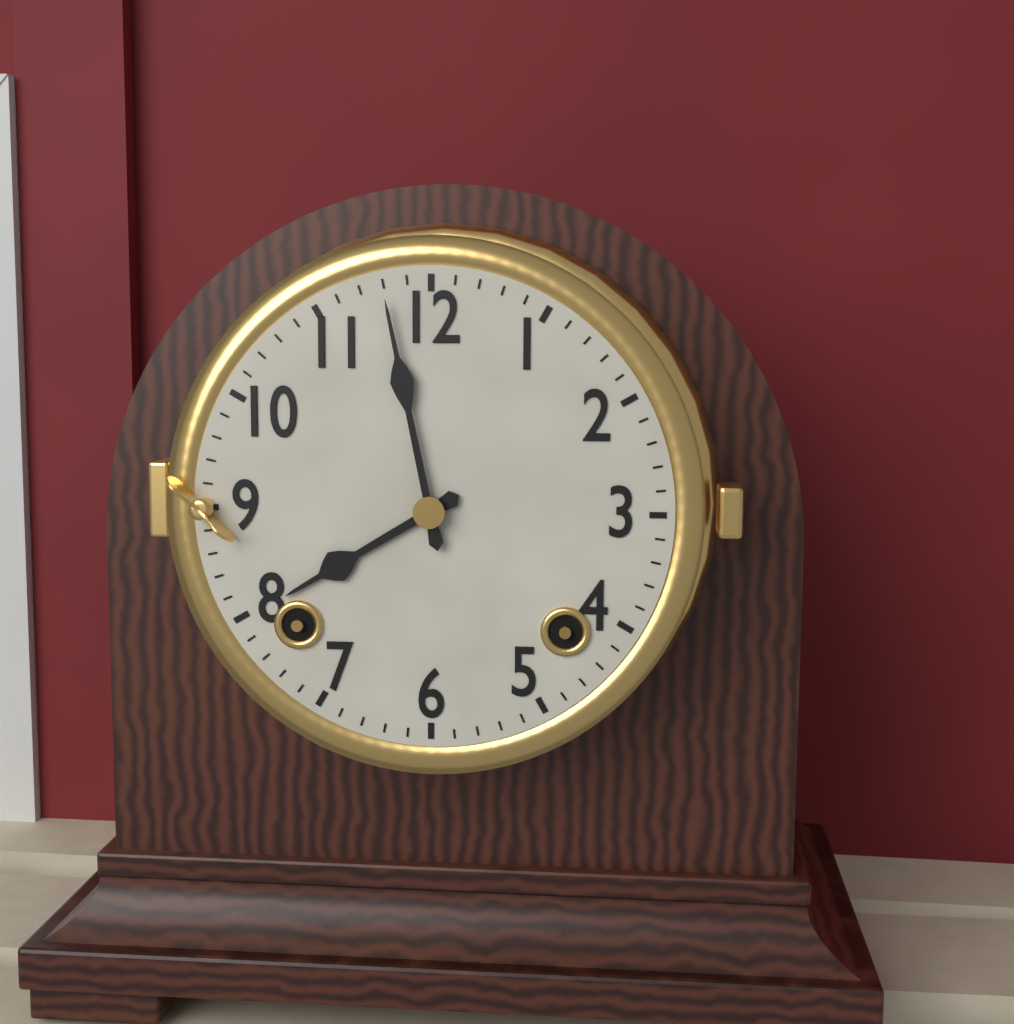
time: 7:58
